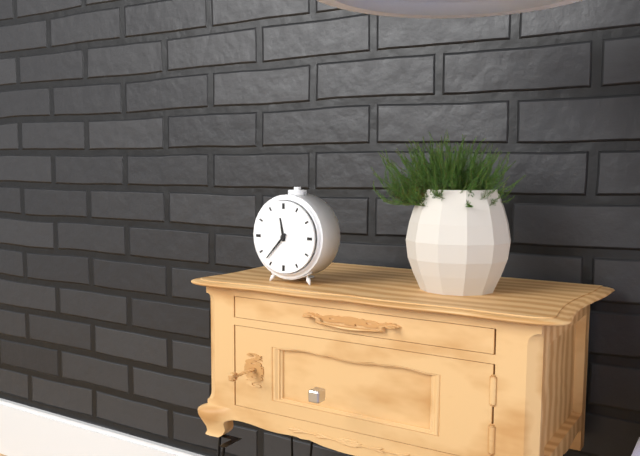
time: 11:37
